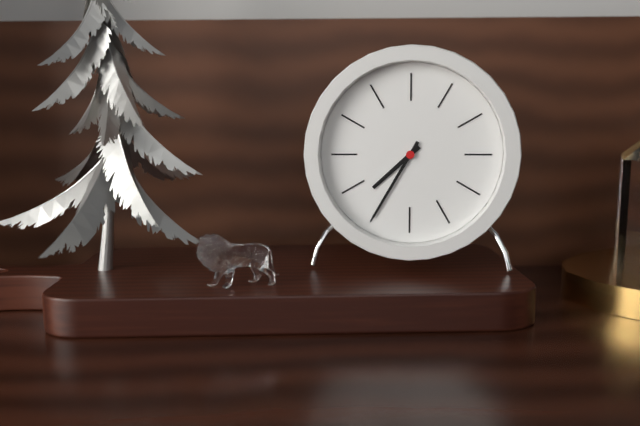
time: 7:35
